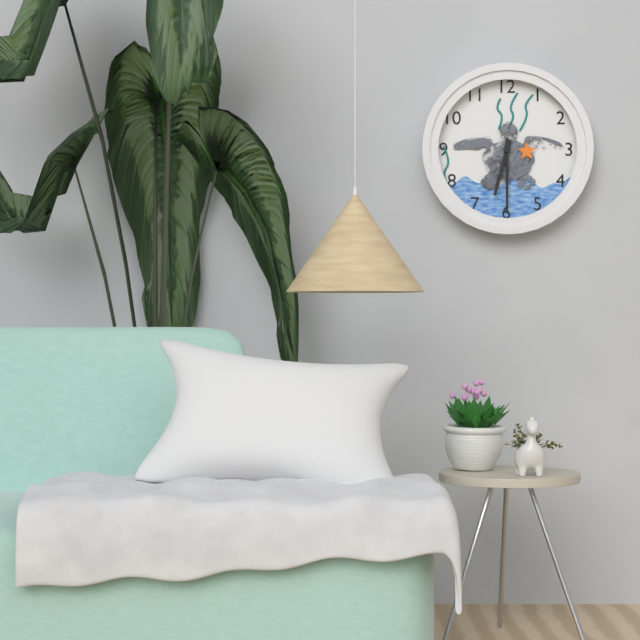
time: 6:30
